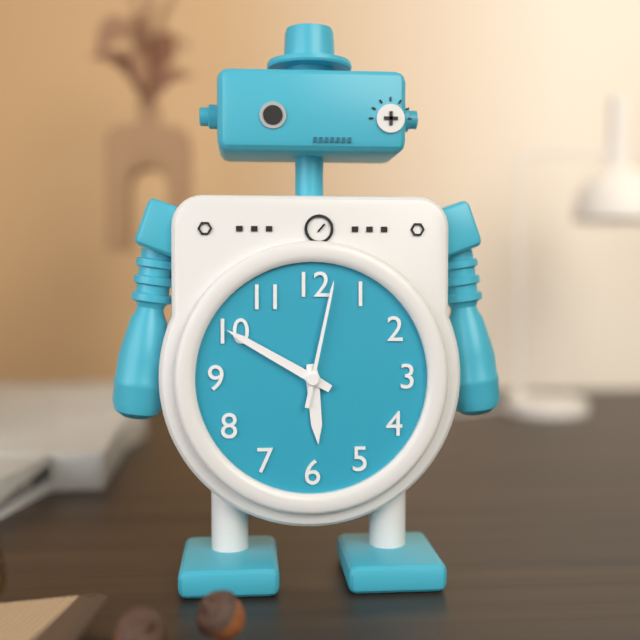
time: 5:50:02
